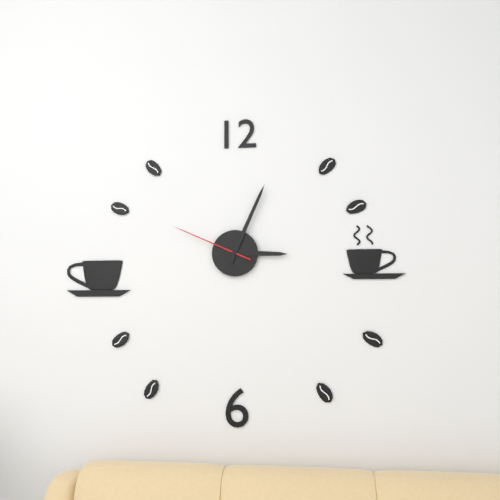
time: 3:04:49
